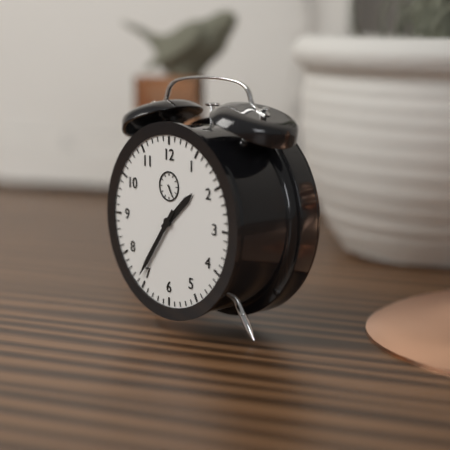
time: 1:36
